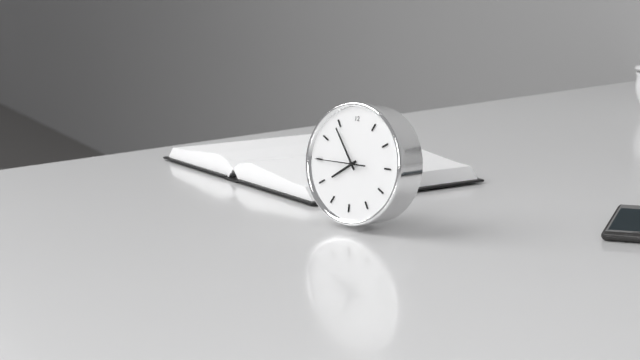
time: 7:54
